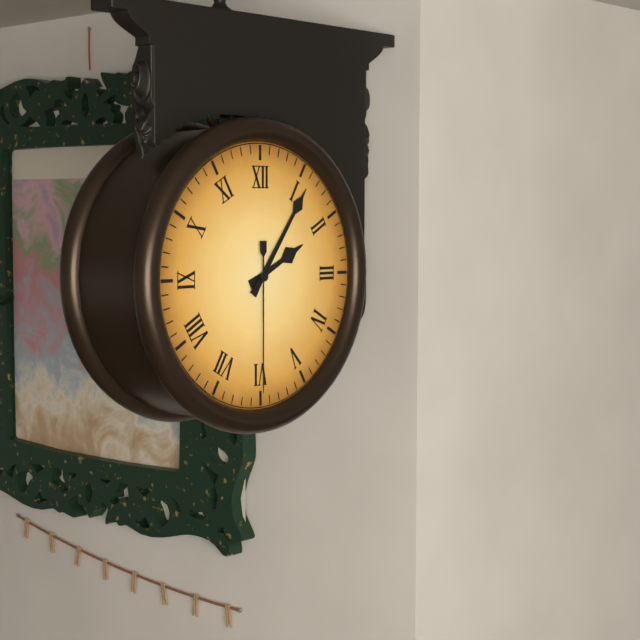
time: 2:06:30
